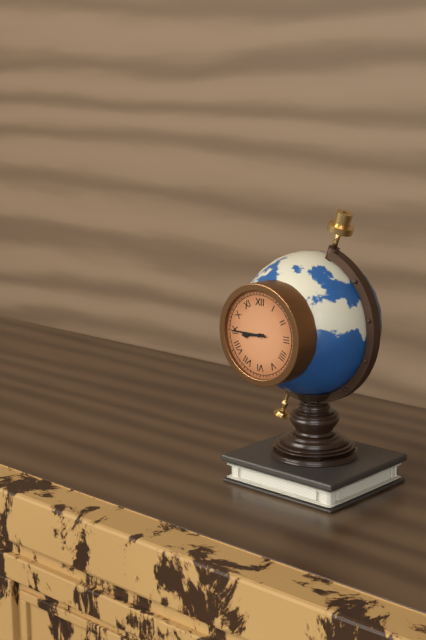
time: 8:45
